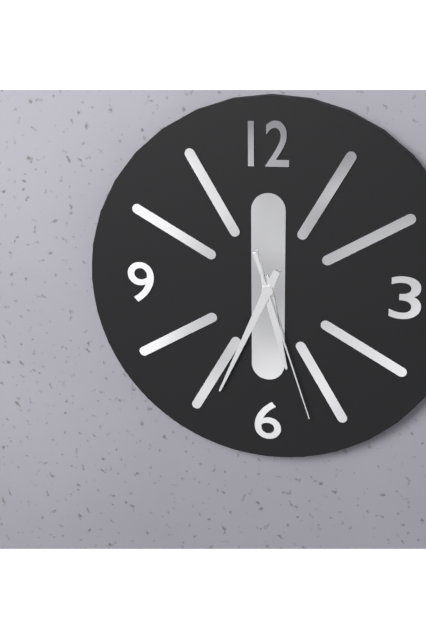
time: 5:34:27
